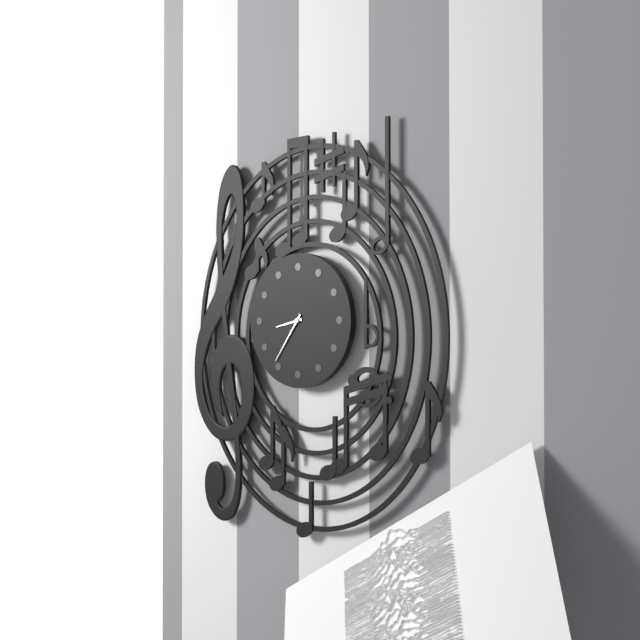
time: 8:36
